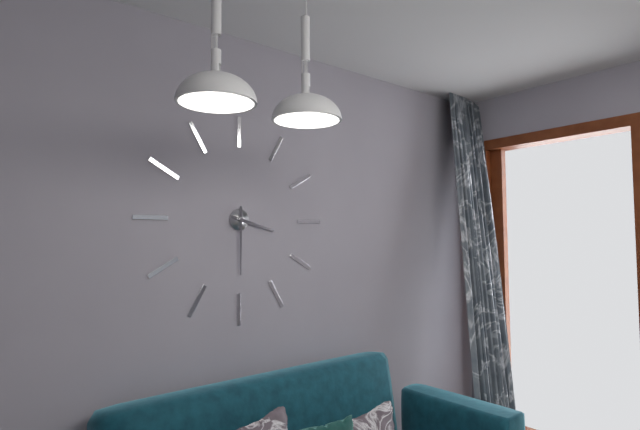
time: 3:30
